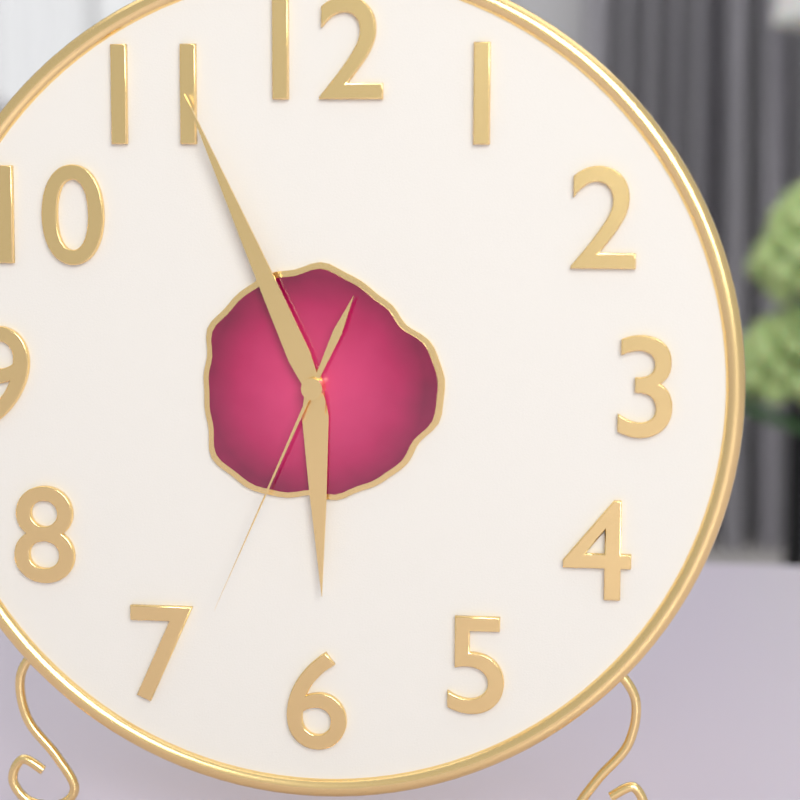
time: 5:56:34
